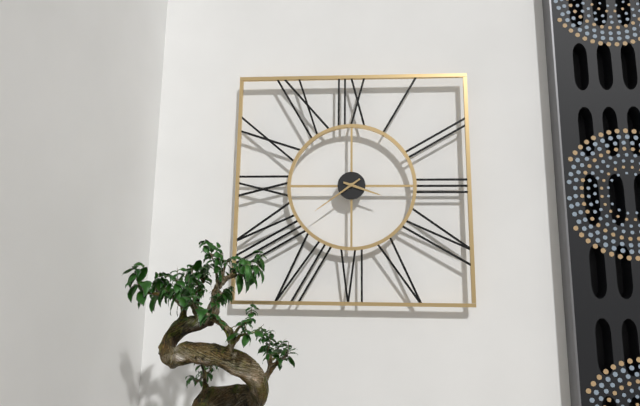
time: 3:39
